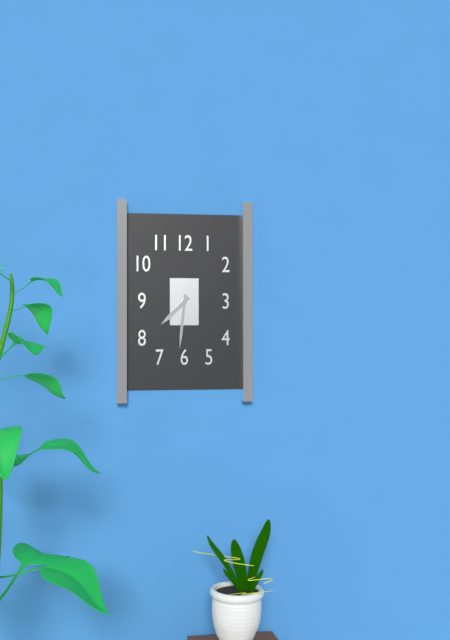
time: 7:31
